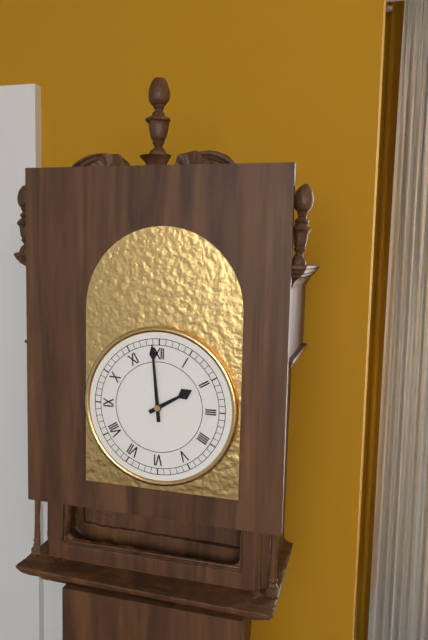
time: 1:59
